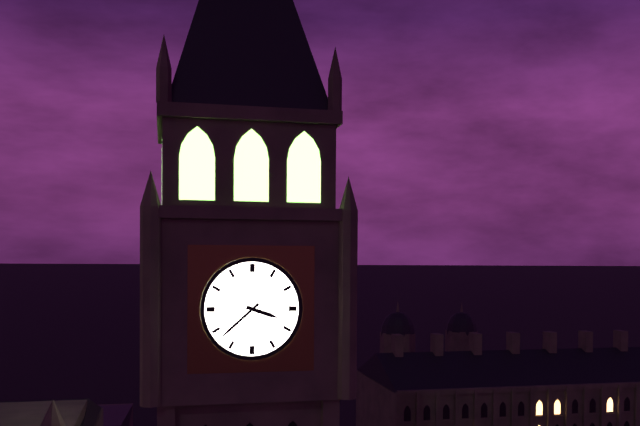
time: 3:38
